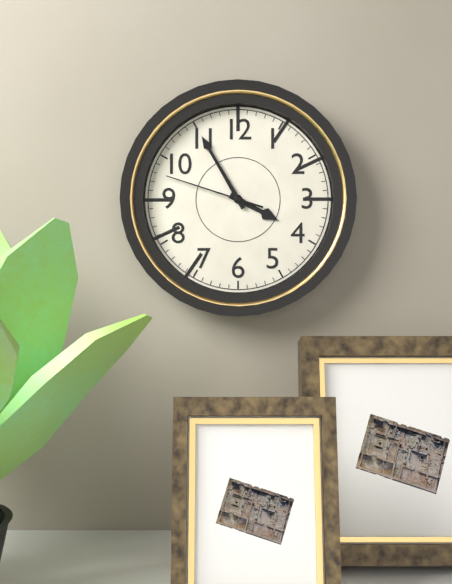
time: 3:55:48
